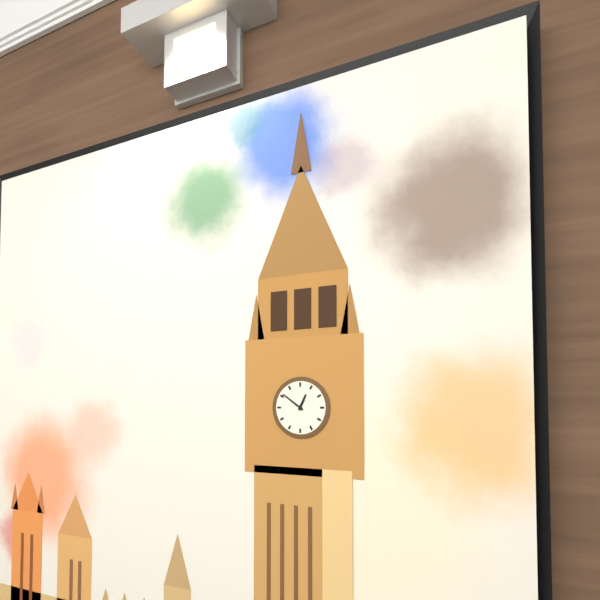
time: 12:51
